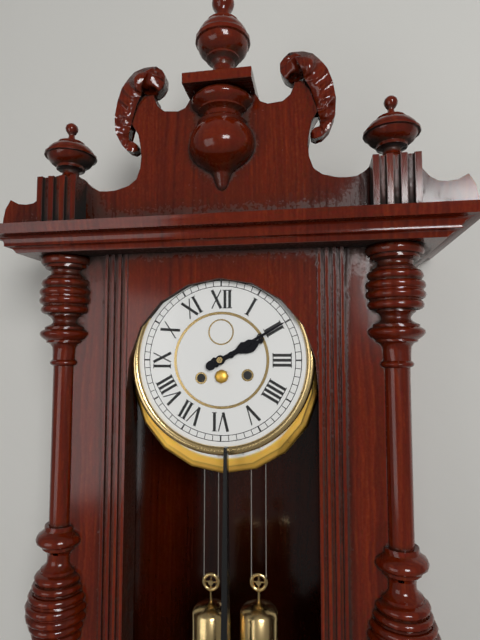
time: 2:10
